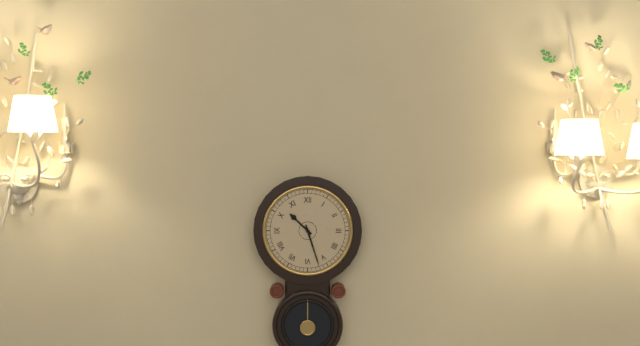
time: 10:27
